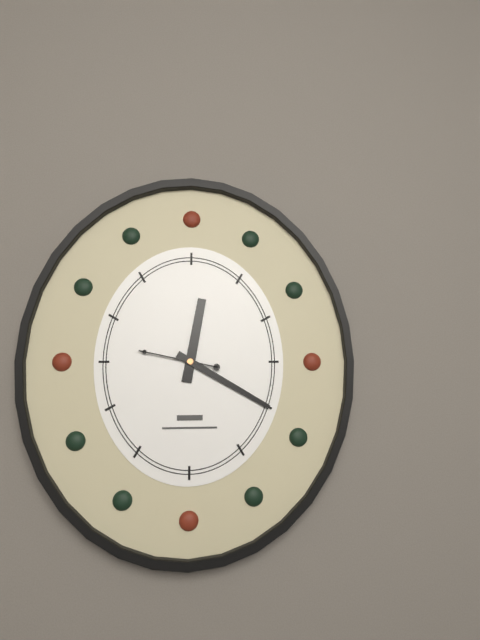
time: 12:20:47
